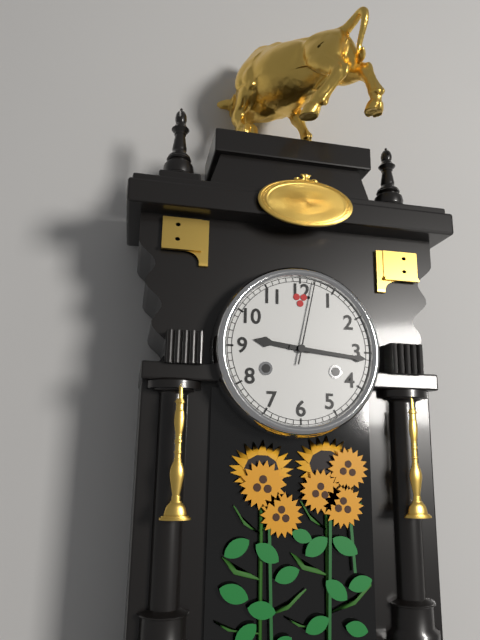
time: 9:16:02
